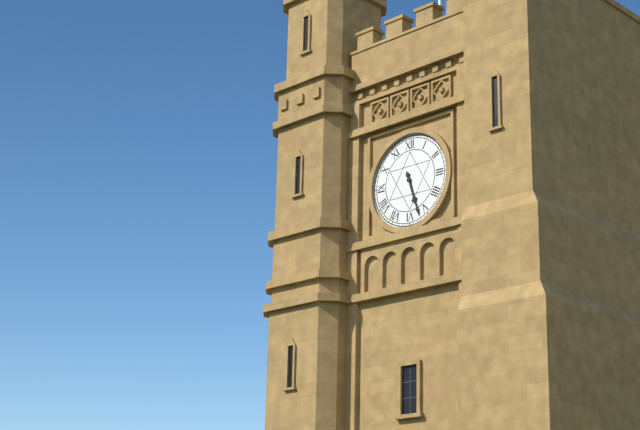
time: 5:27
